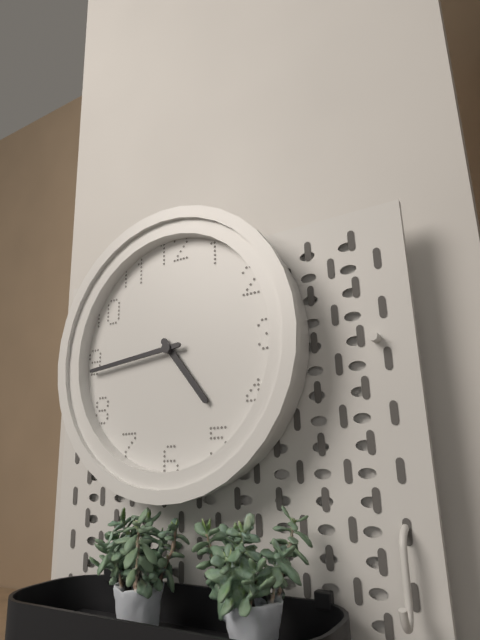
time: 4:44
